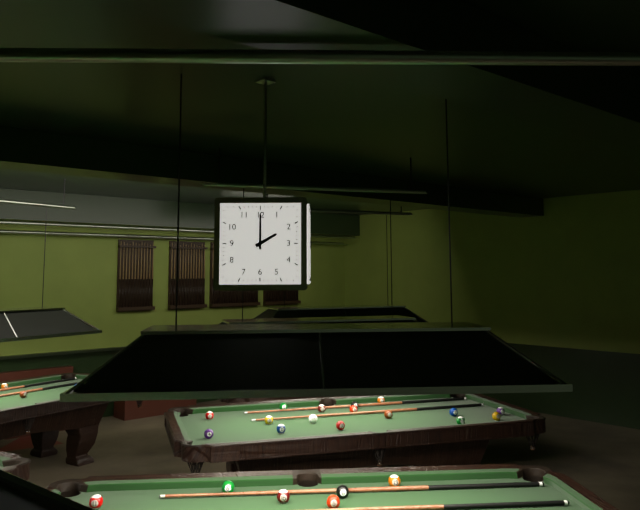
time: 2:00
